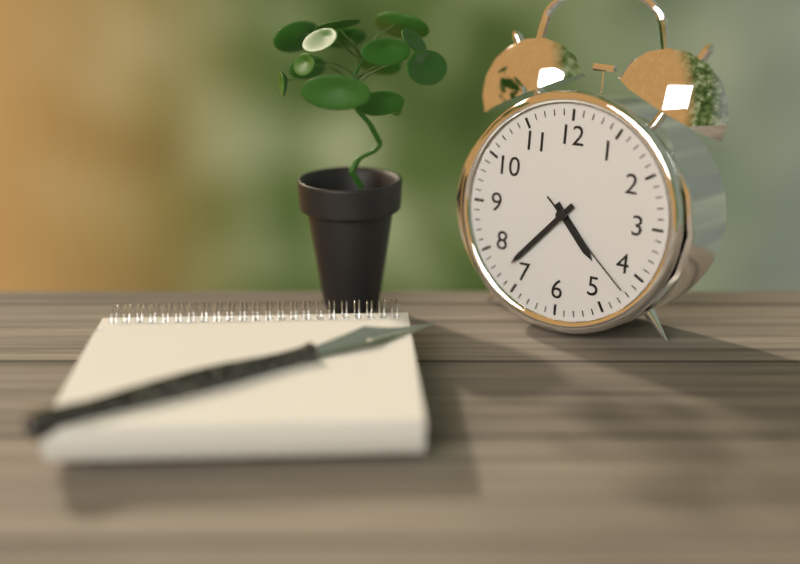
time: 4:37:22
